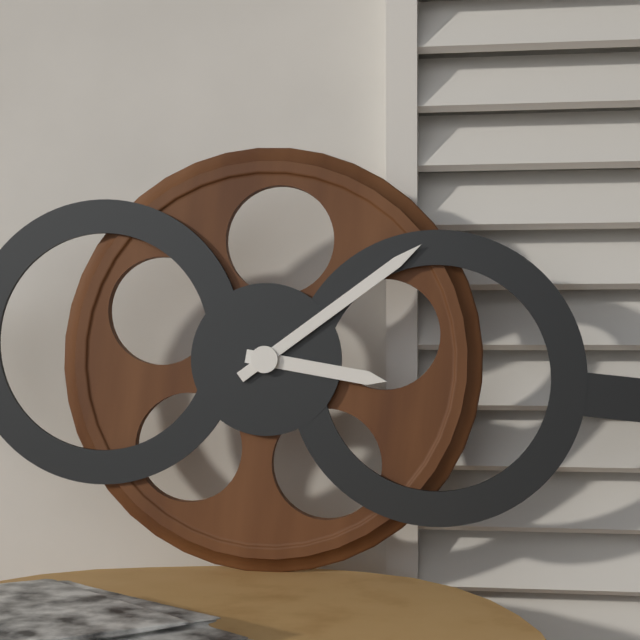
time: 3:08
